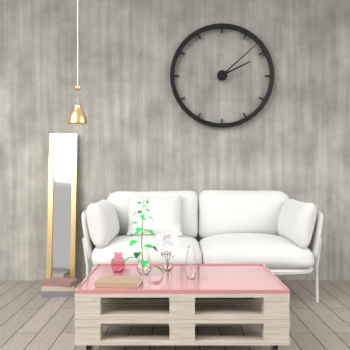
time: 2:08
